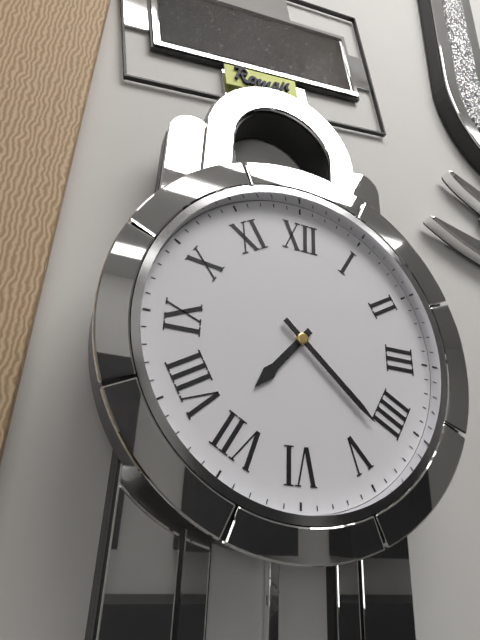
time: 7:22
